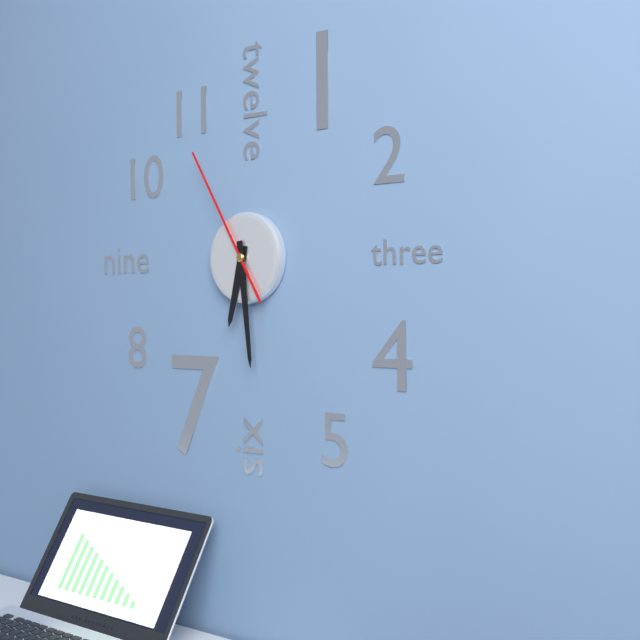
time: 6:29:55
